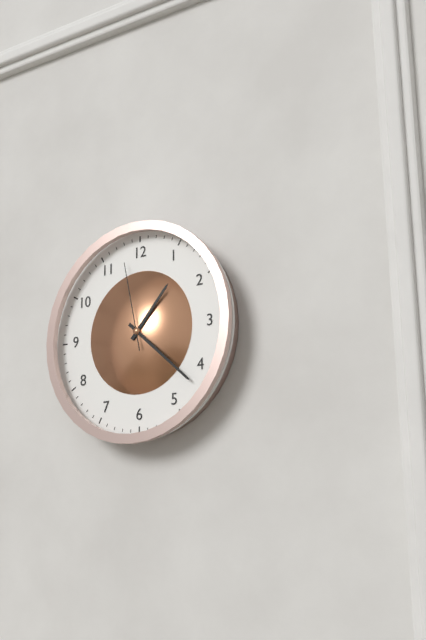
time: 1:22:58
